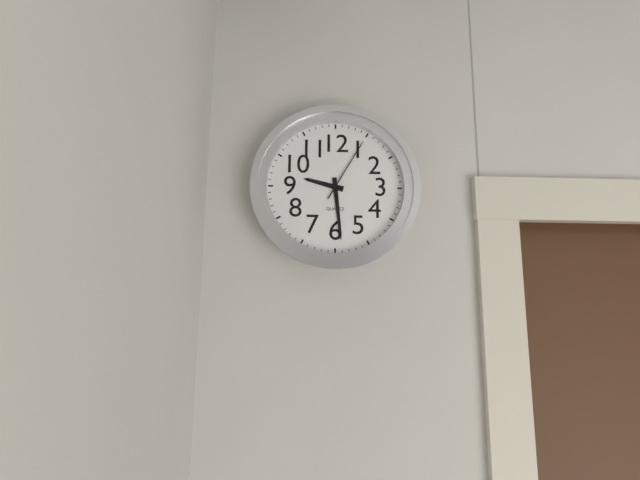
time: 9:29:05
